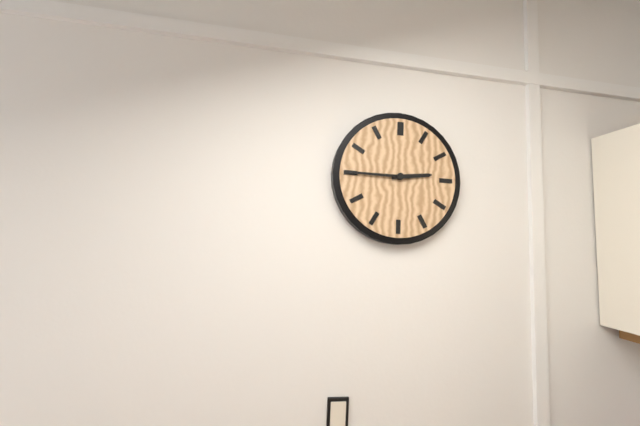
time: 2:45
